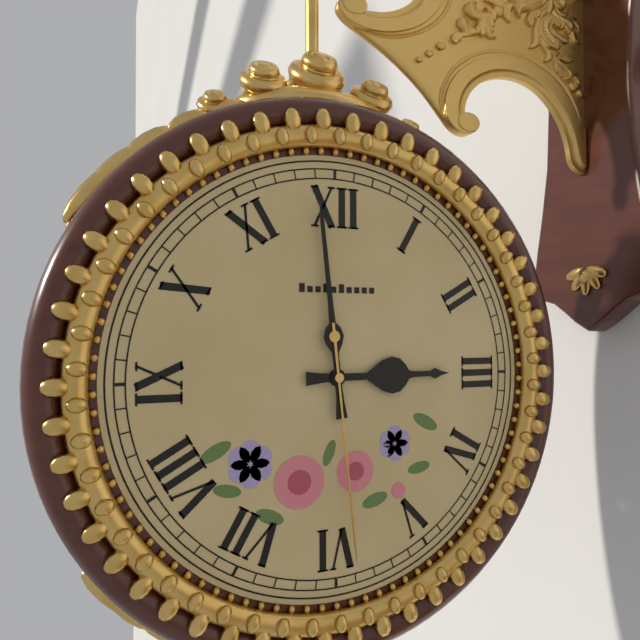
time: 2:59:29
